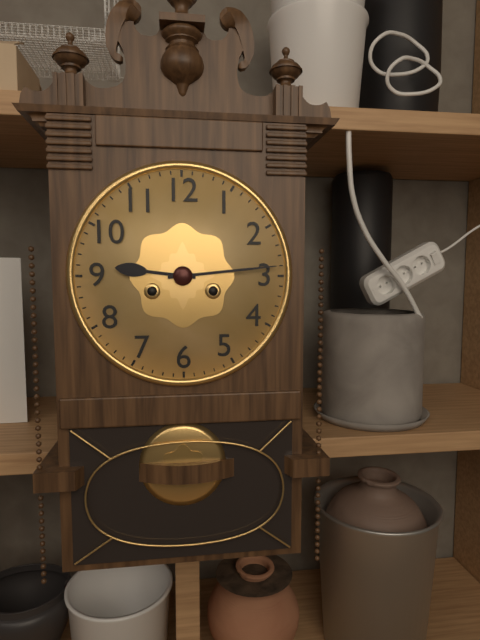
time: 9:14
